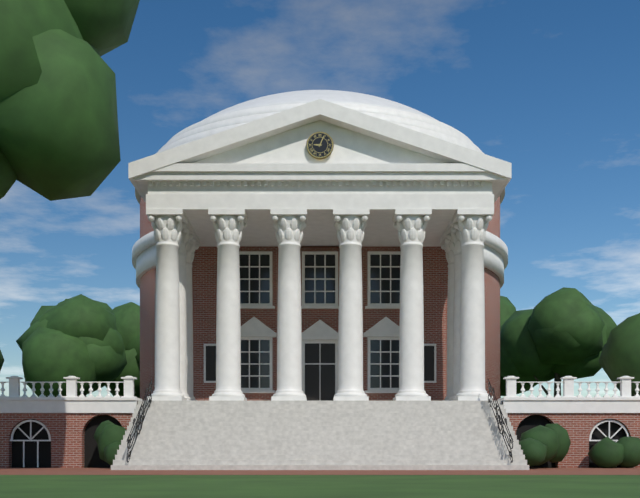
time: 9:04
